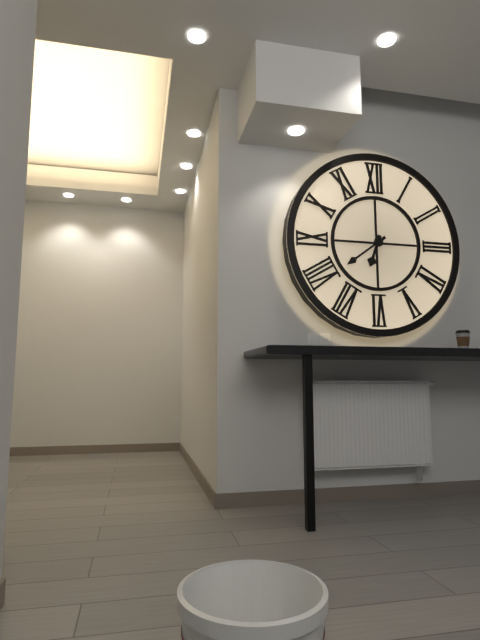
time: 6:39
